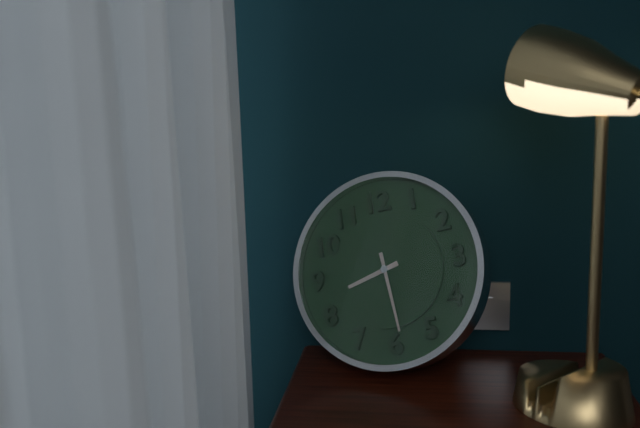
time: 8:29
